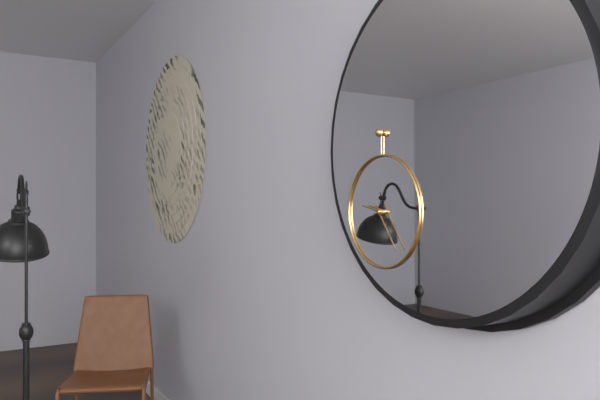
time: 9:24
